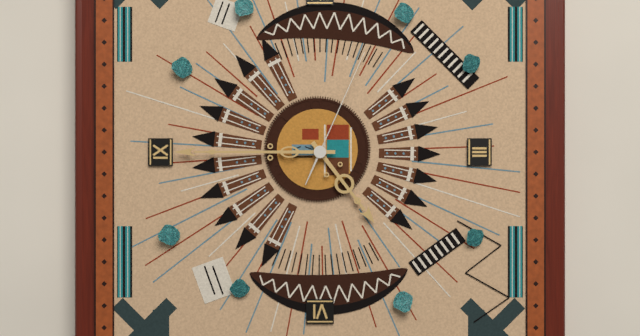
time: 4:45:04
